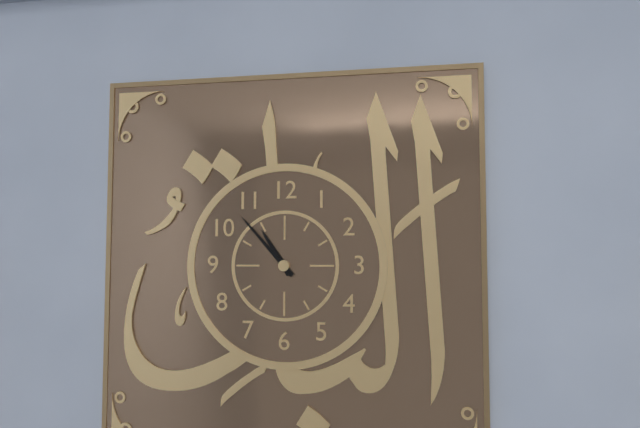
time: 10:53
